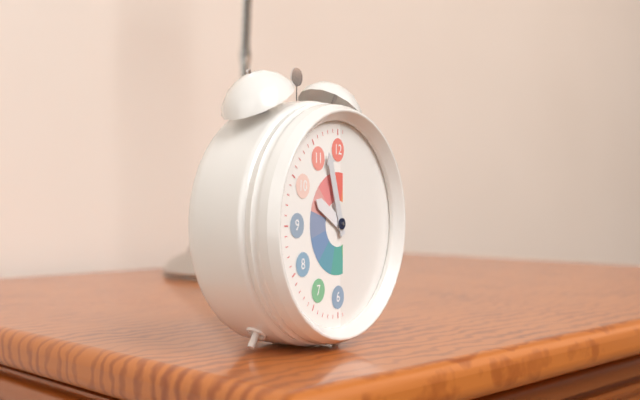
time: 9:57
